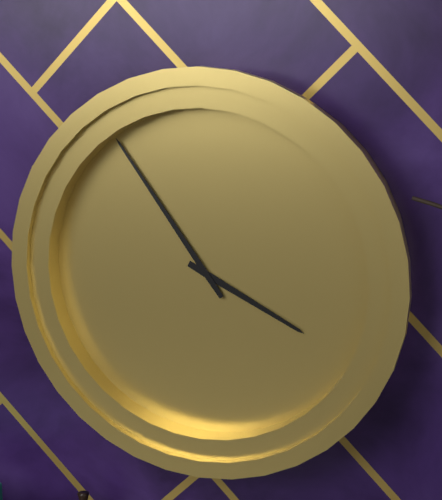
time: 3:54
